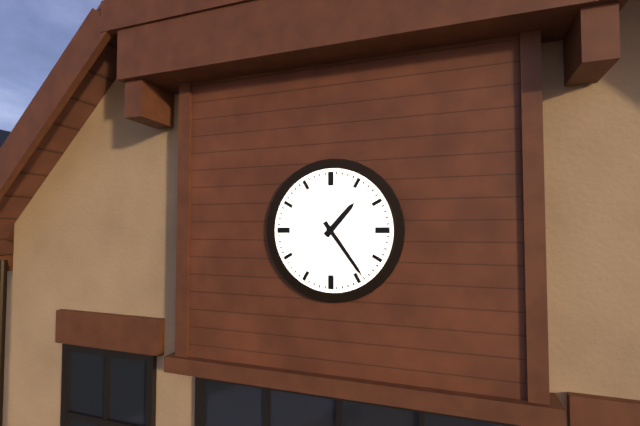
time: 1:24
